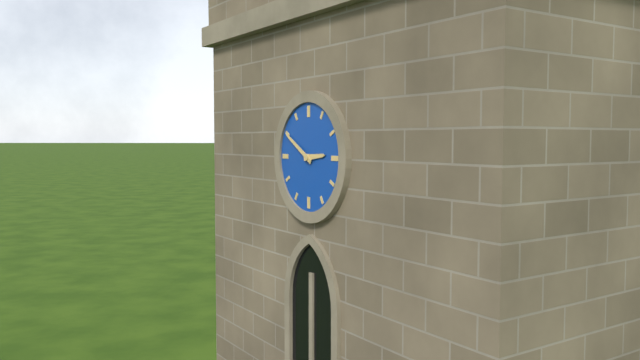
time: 2:50
